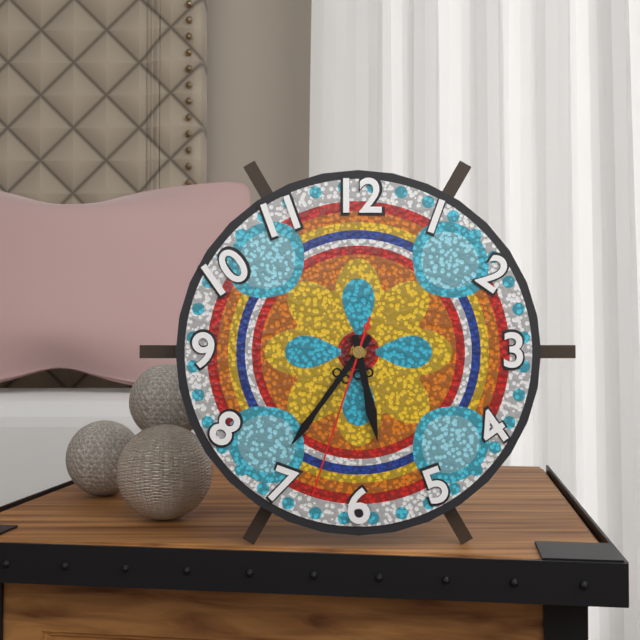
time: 5:36:33
